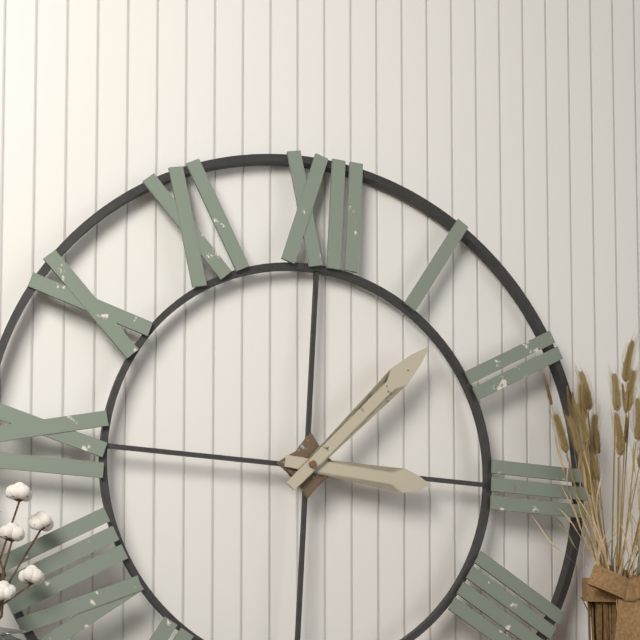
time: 3:07
